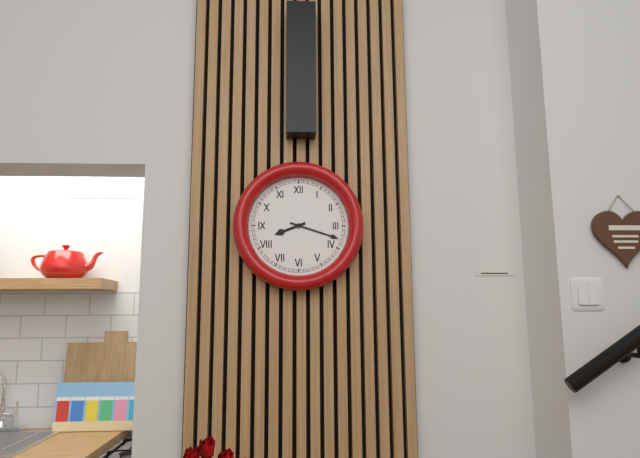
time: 8:18
